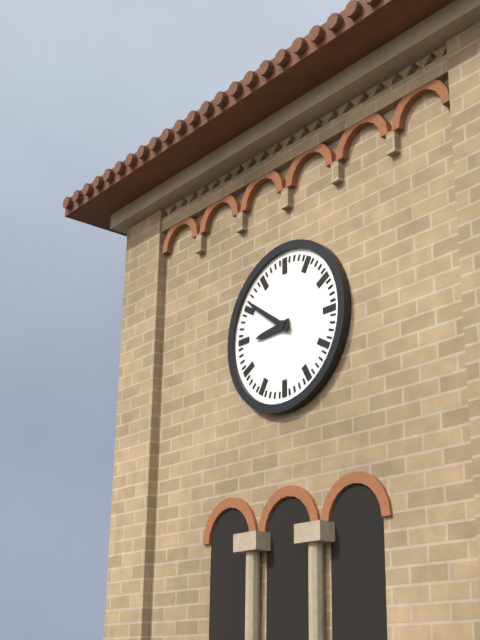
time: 8:51
